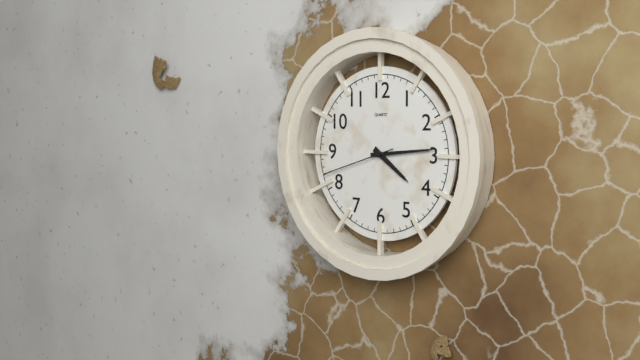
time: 4:14:42
